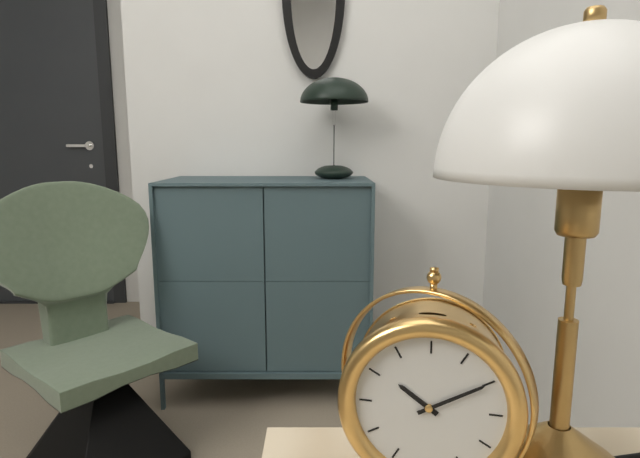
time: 10:10
